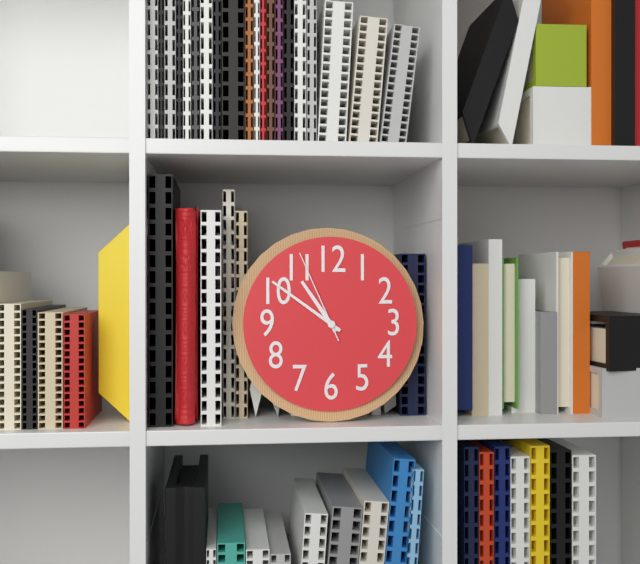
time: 10:51:56
